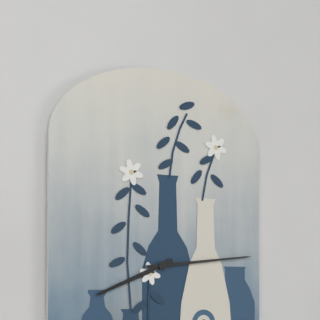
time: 8:14
